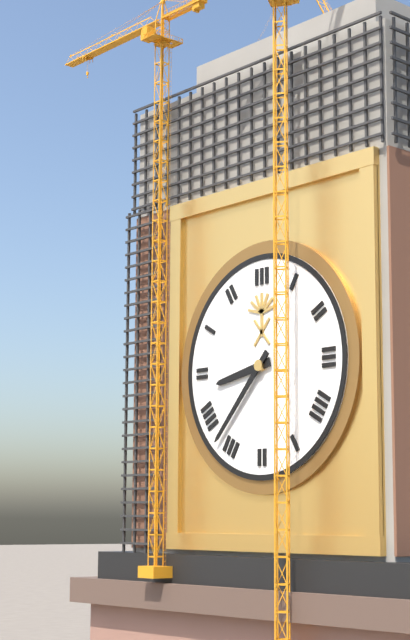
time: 8:37
